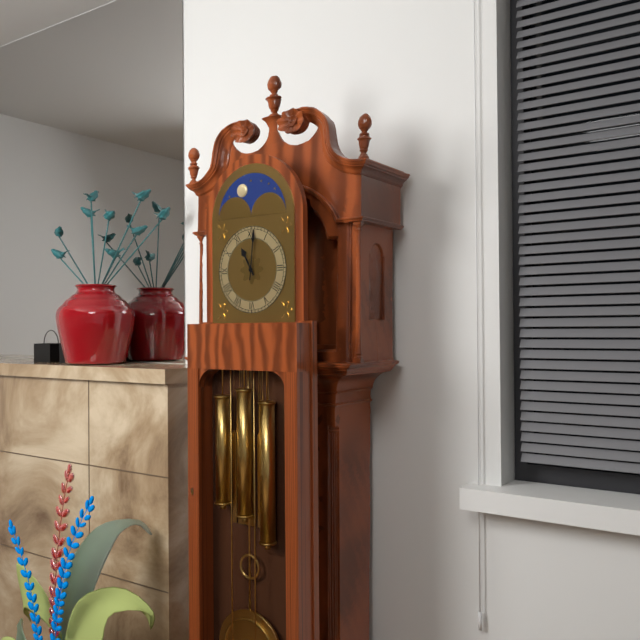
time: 11:01
